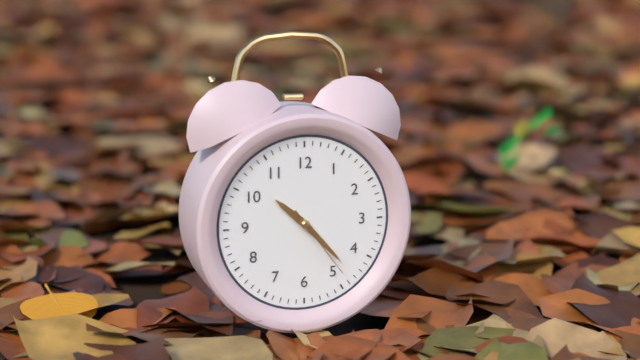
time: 10:23:24
